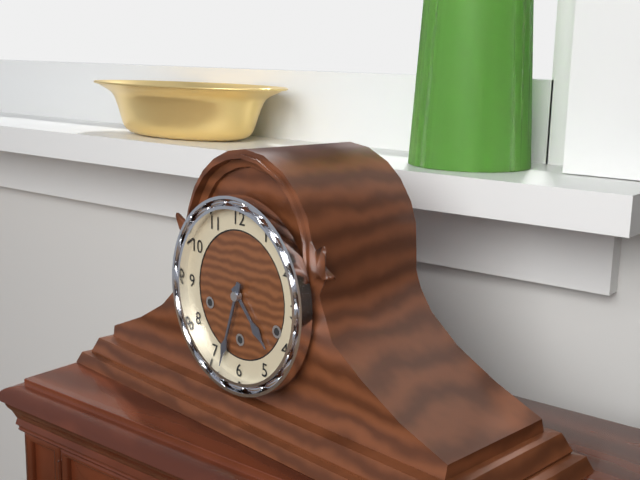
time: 4:33
